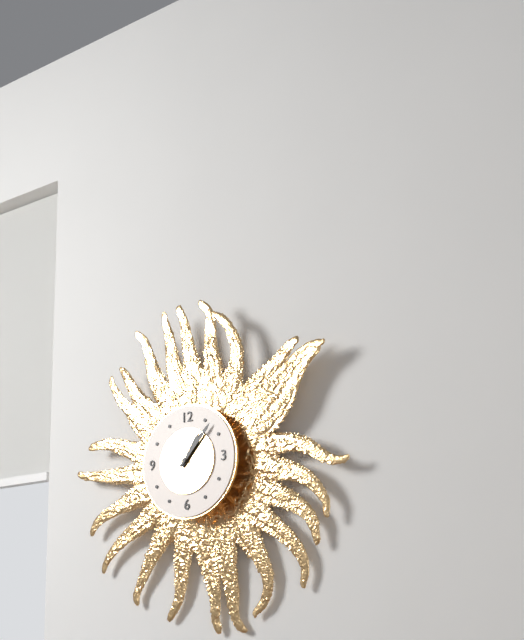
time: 1:07
